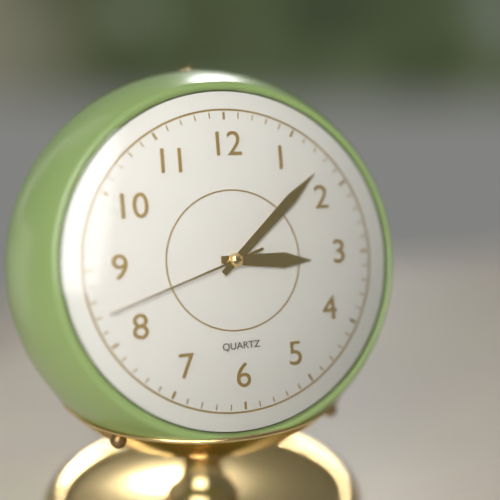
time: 3:08:42
